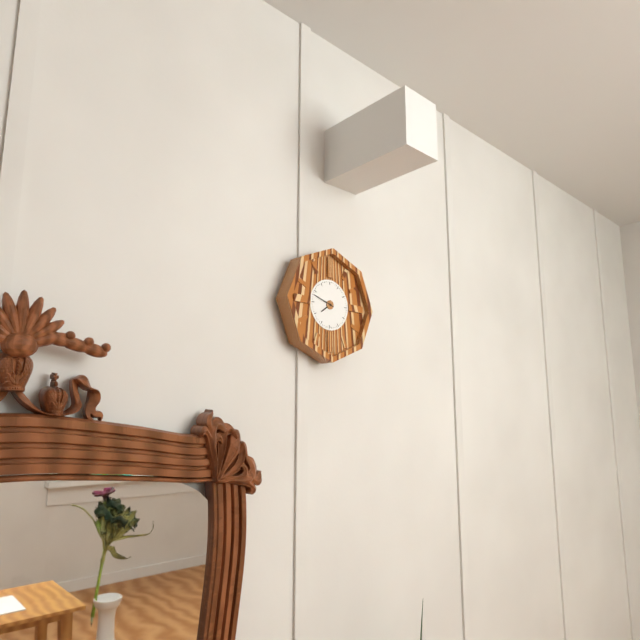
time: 7:48
